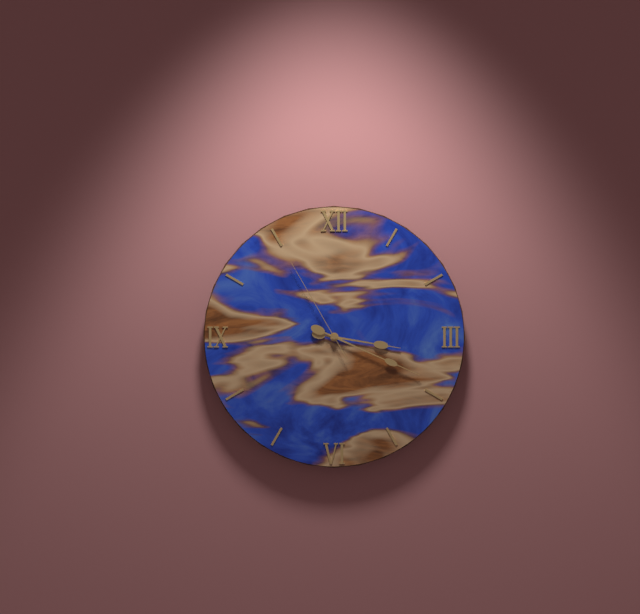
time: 3:19:55
